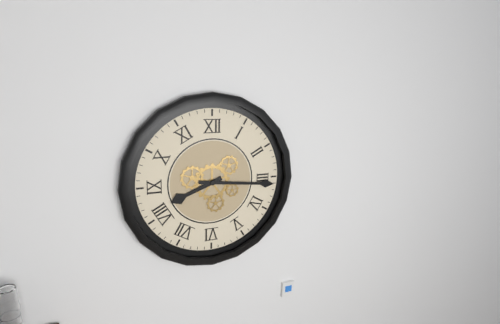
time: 8:16
